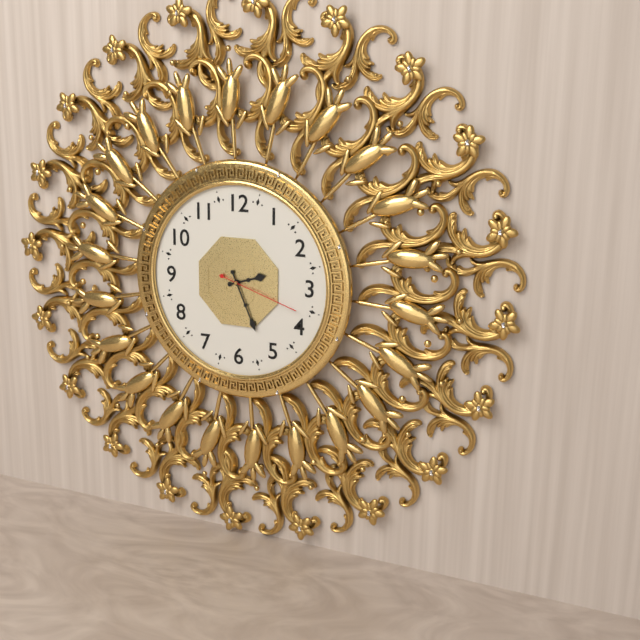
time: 2:26:18
